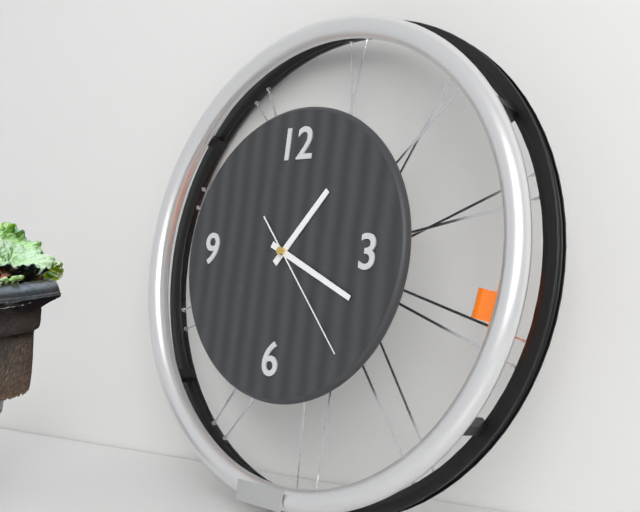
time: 1:19:23
